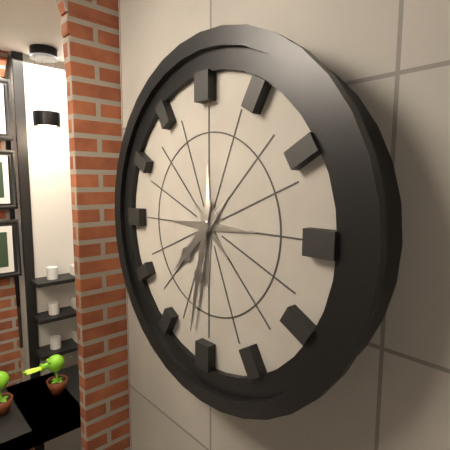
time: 7:32
